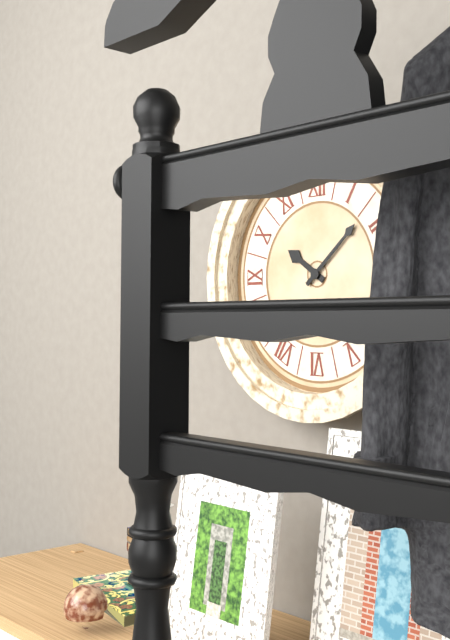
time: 10:08
